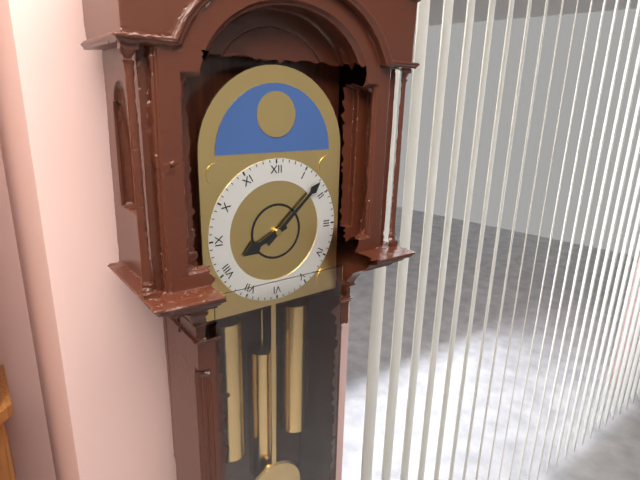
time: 8:08
